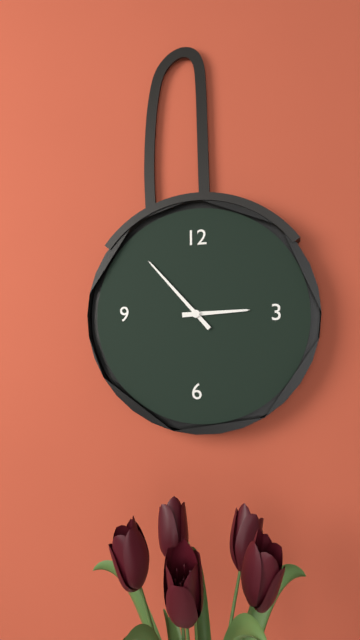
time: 2:53
